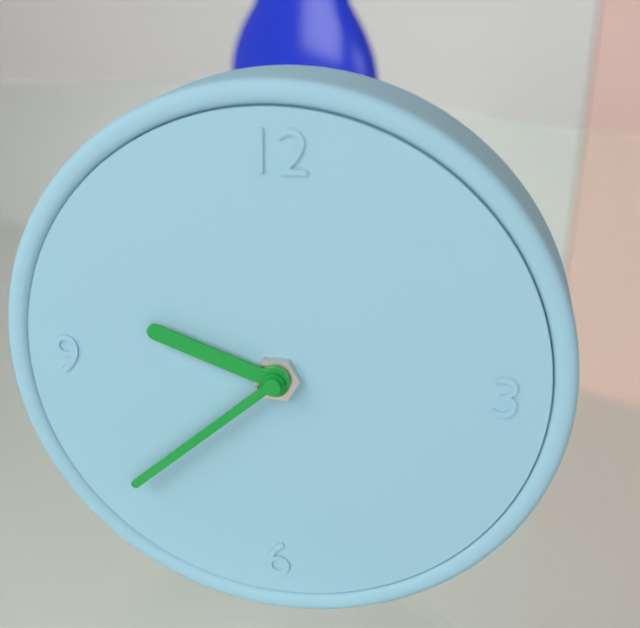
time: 9:38
